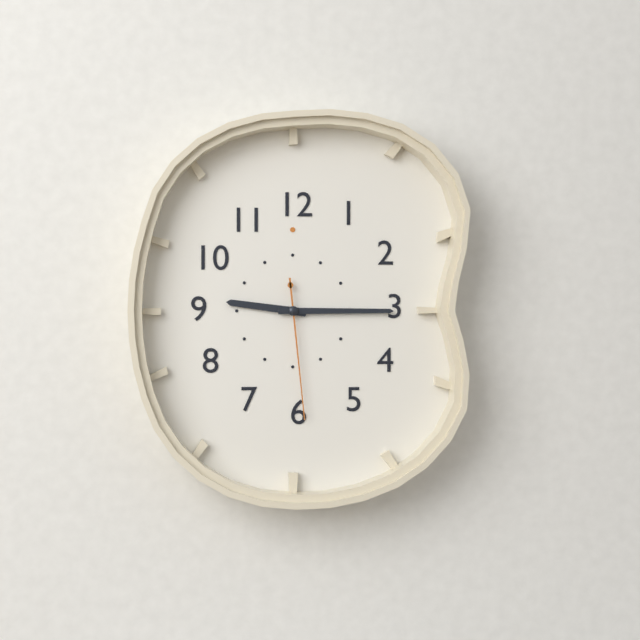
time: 9:15:29
